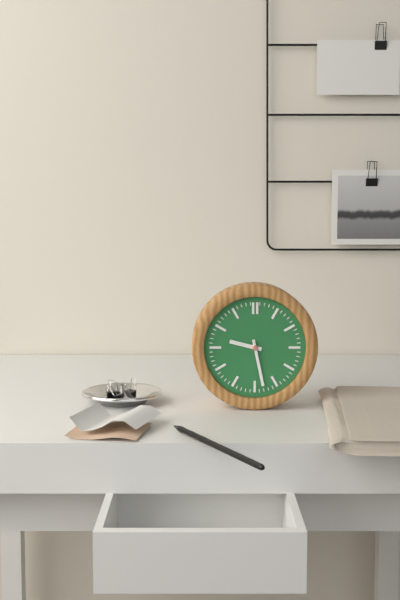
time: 9:28
